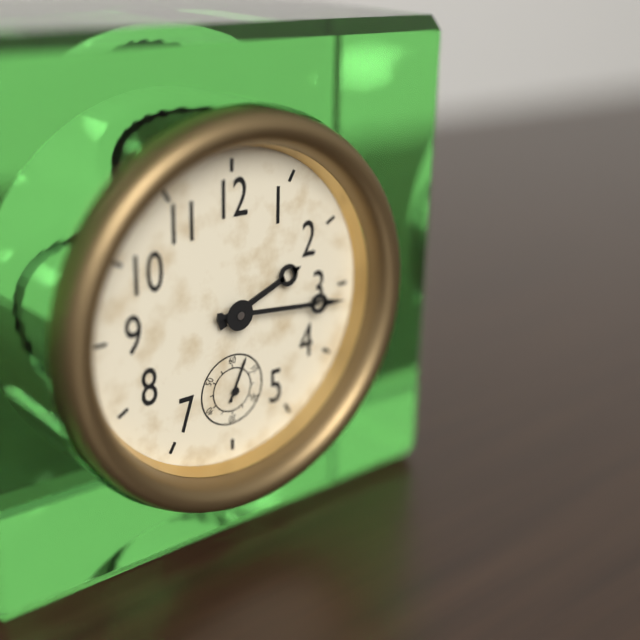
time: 2:16
